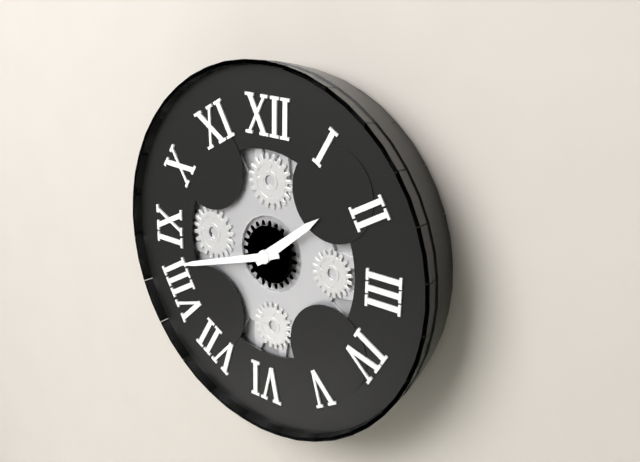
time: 1:42
